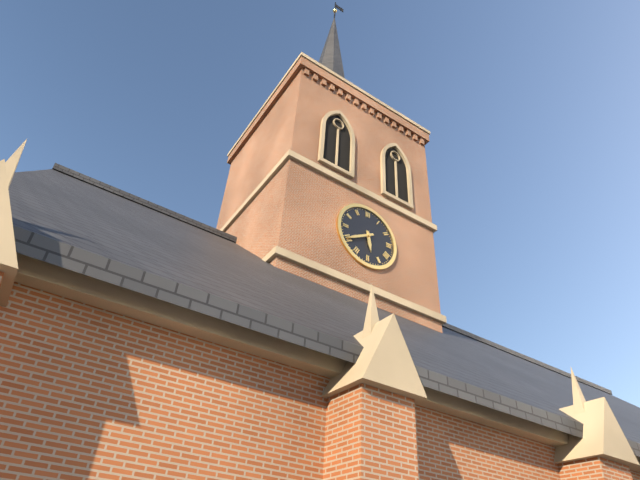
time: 5:40
